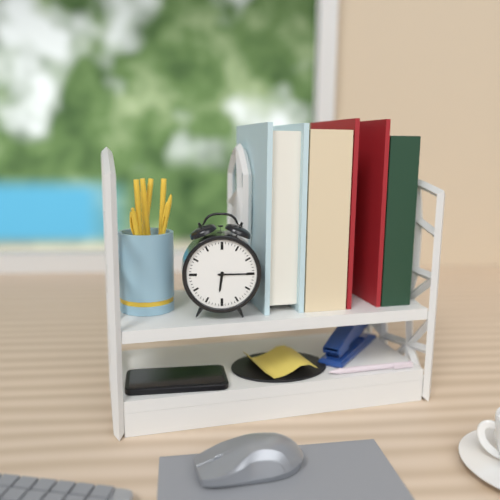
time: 6:15
